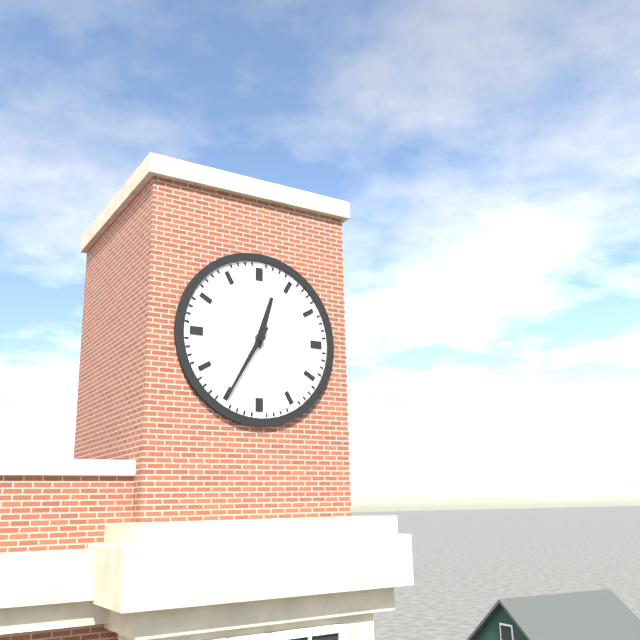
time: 12:35
